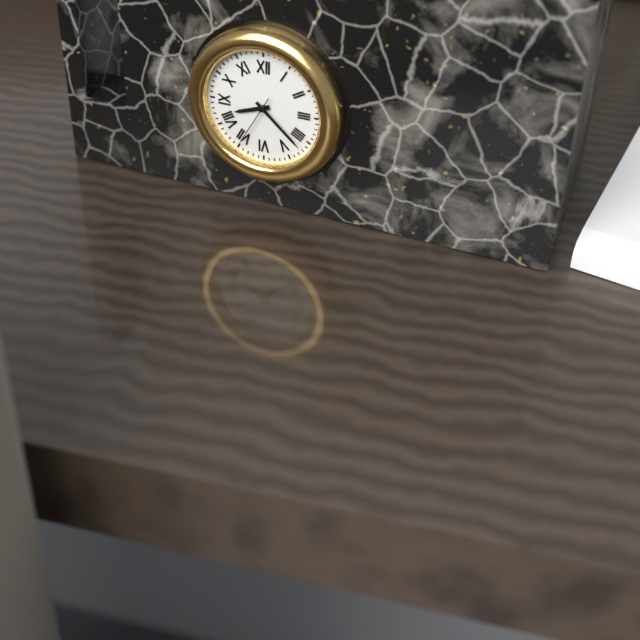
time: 8:22:35
